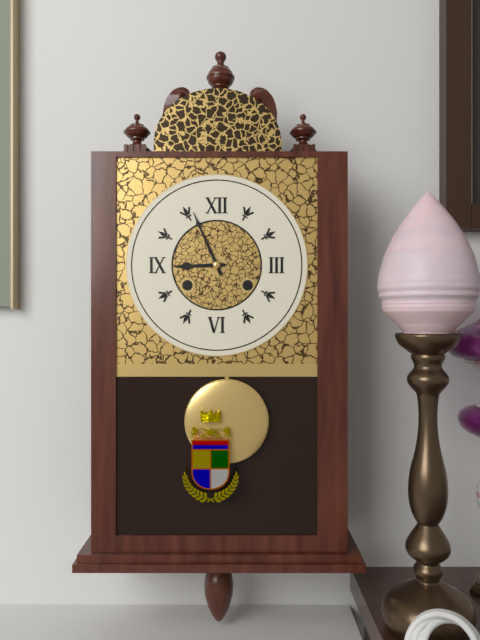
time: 8:56
